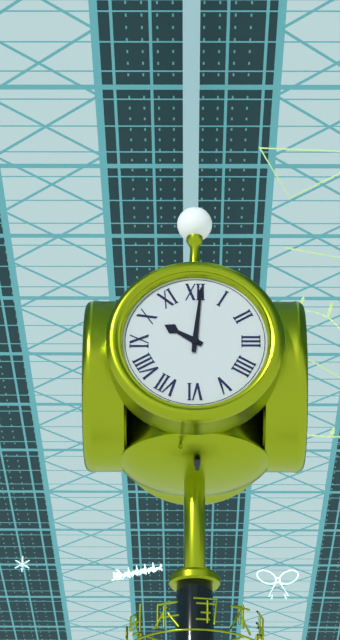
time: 10:01
